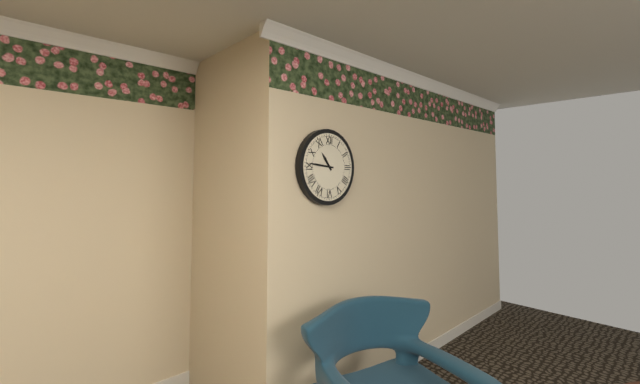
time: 10:46
